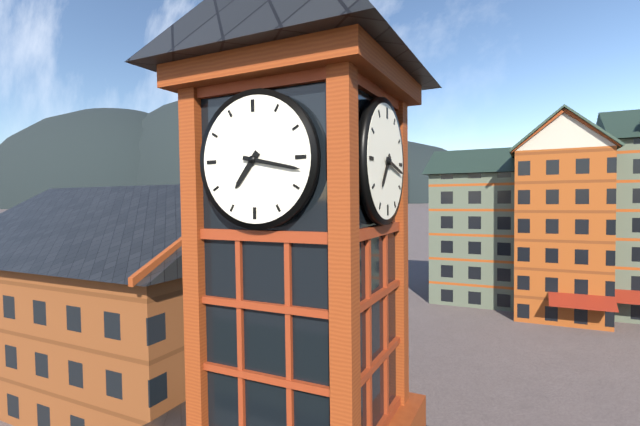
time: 7:17
